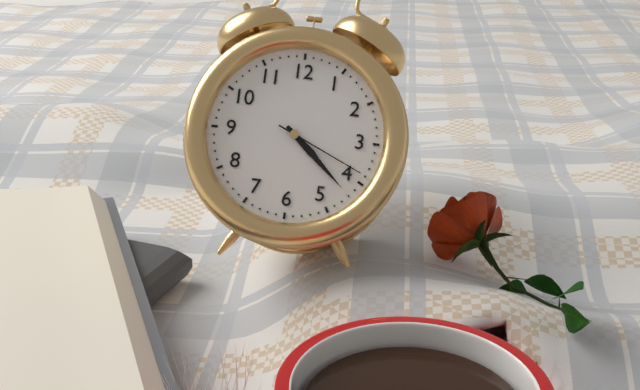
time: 4:22:19
